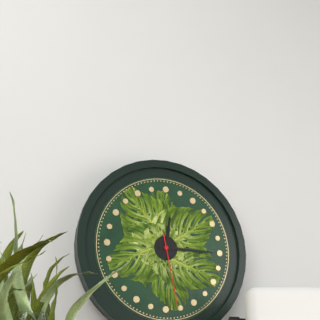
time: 12:15:28
